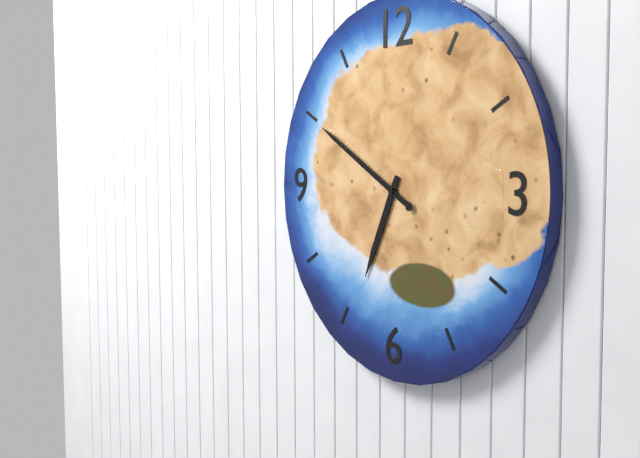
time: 6:50
